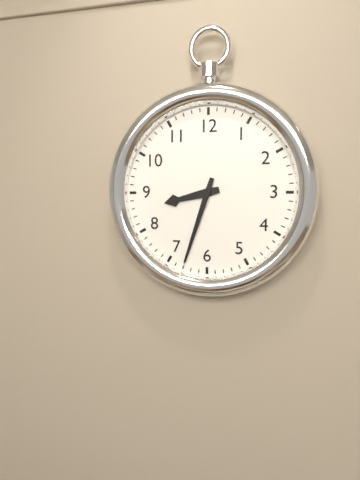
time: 8:33
